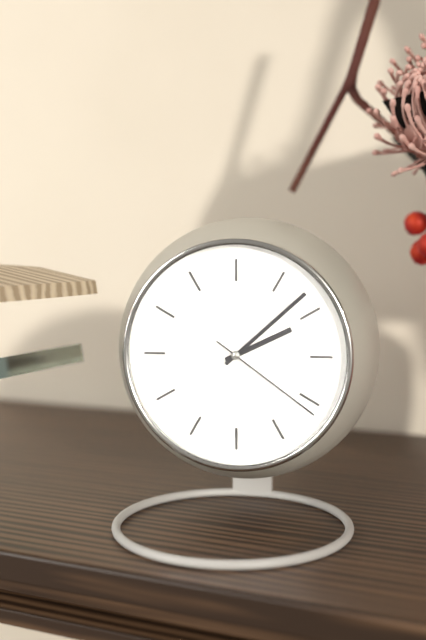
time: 2:08:21
